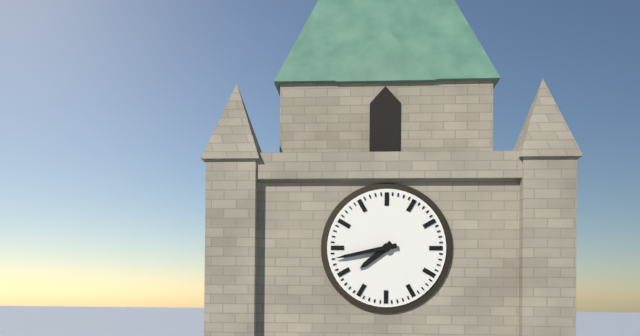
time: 7:43
